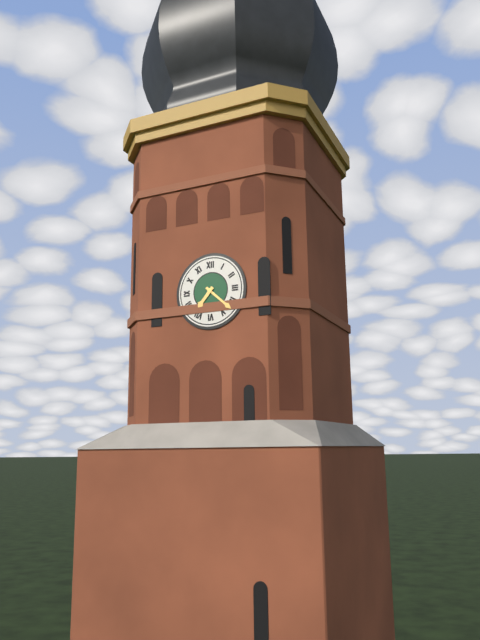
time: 7:22
